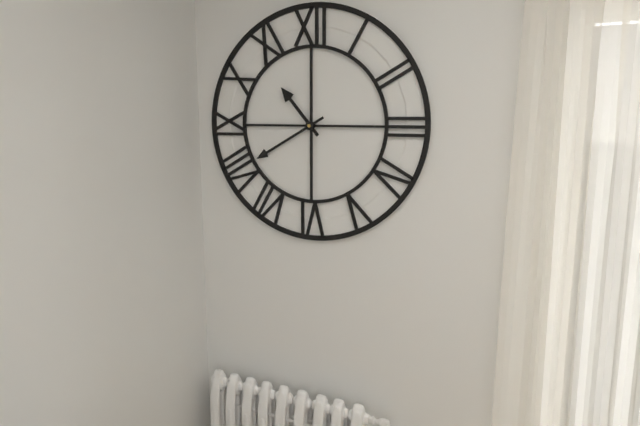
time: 10:40
